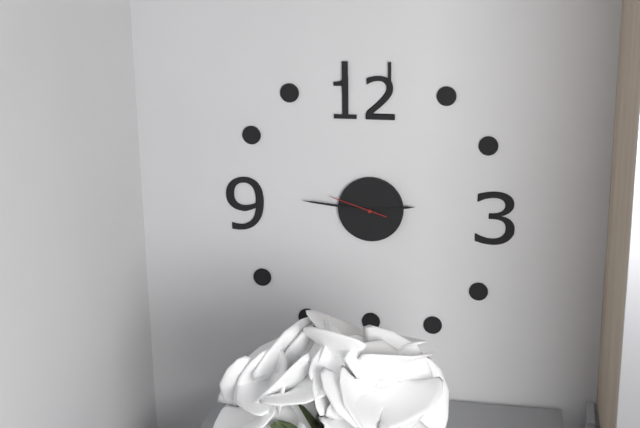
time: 2:46:48
